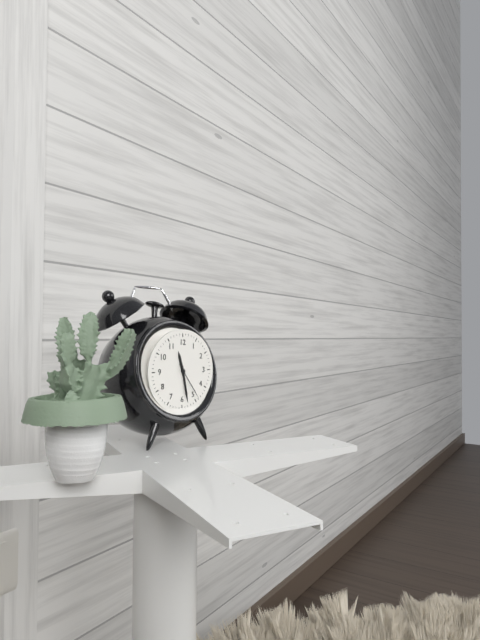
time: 11:28
